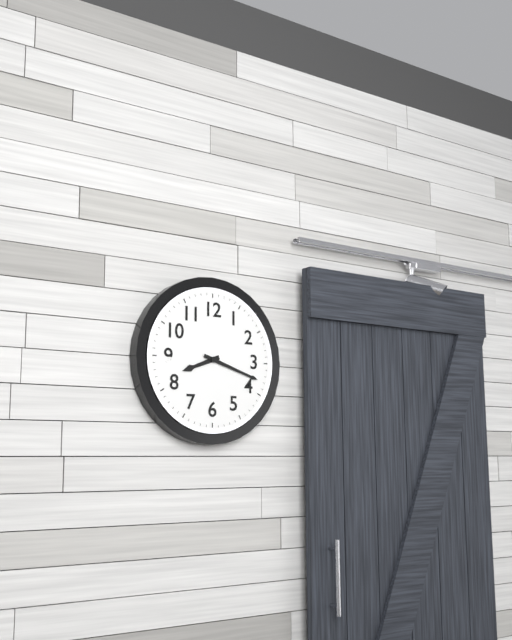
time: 8:18
